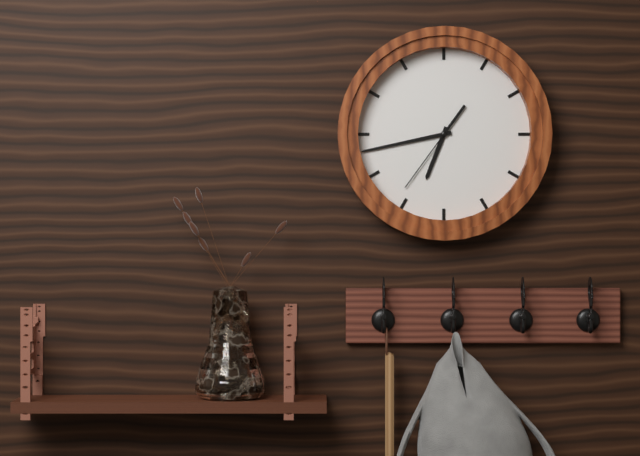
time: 6:43:36
